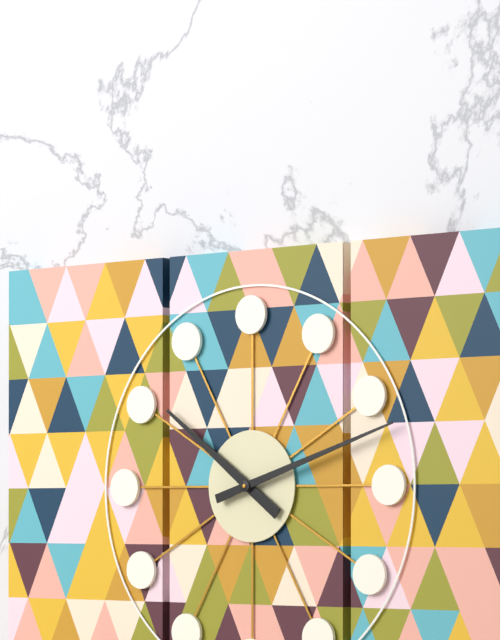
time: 10:12
